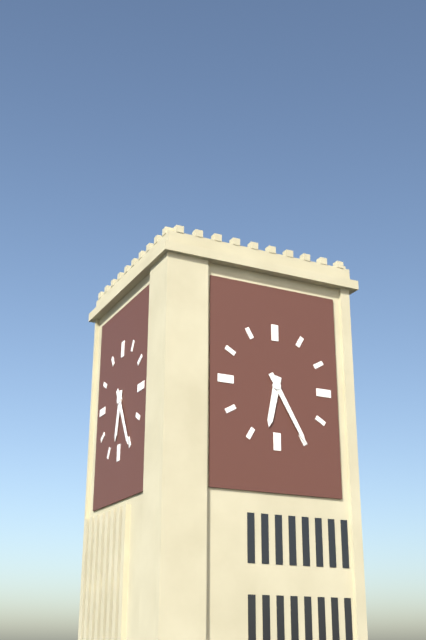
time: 6:25
